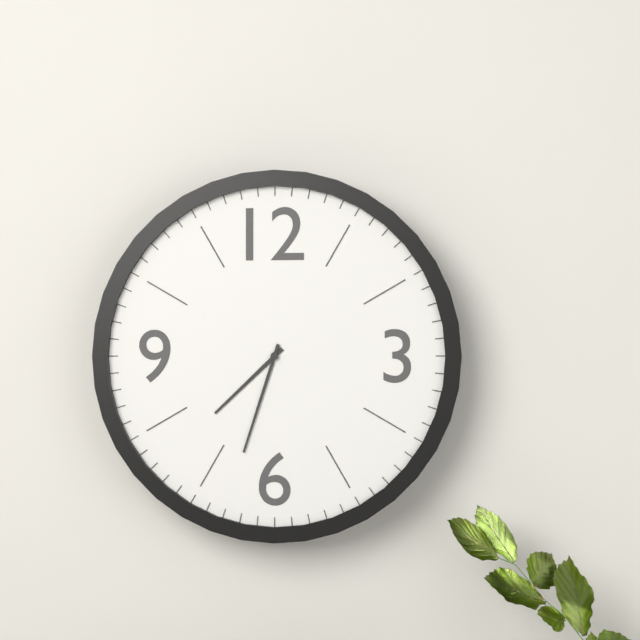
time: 7:33
